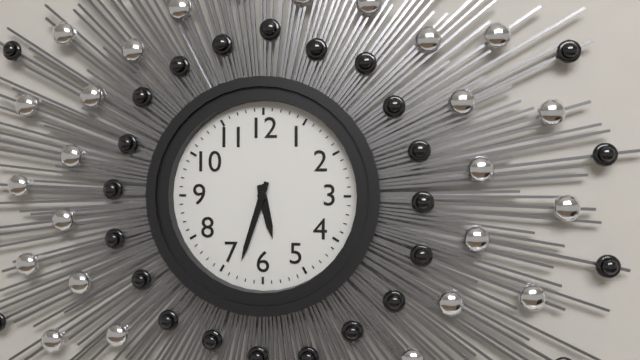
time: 5:33
